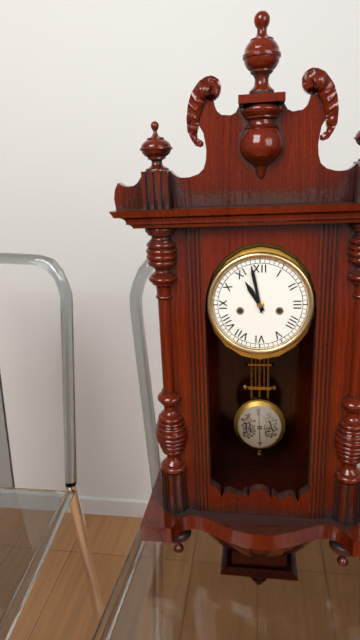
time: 10:58
